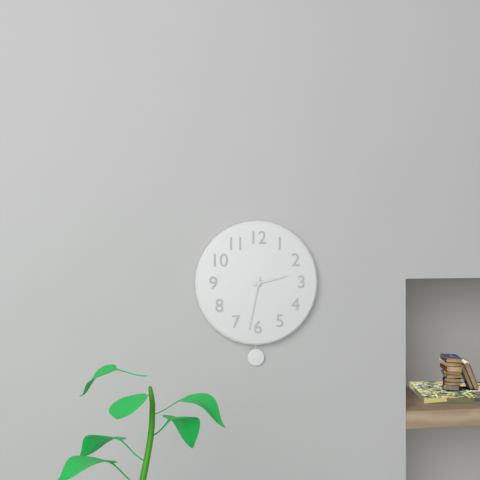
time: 2:32
